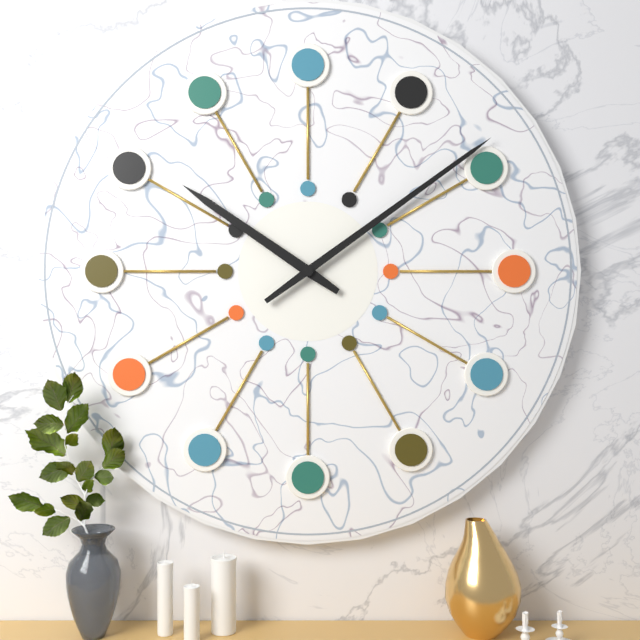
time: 10:09
